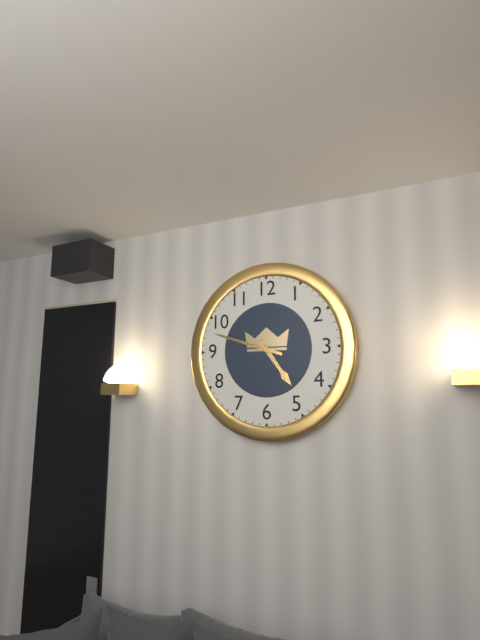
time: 4:48
